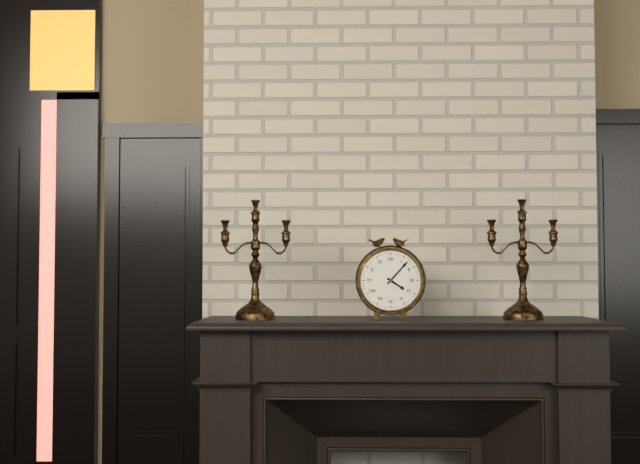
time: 4:07
